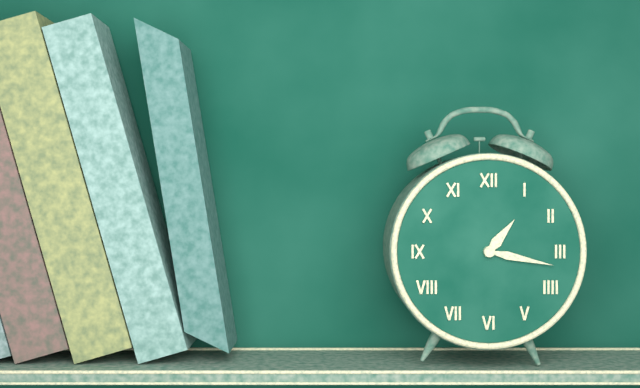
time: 1:17
